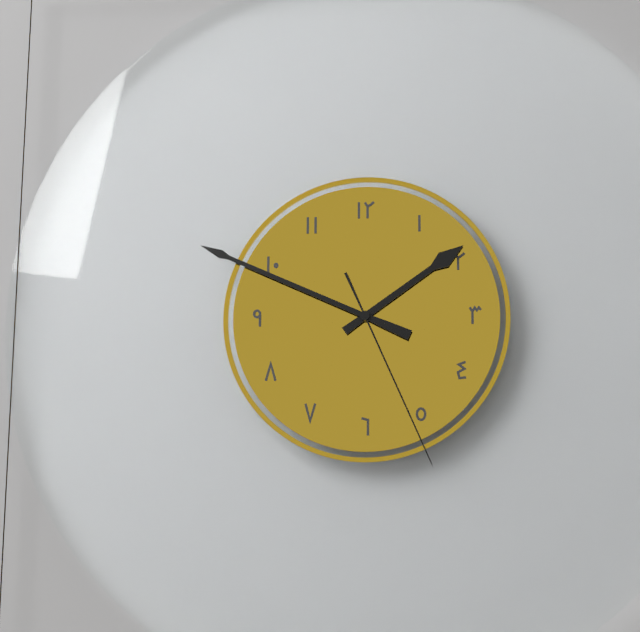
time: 1:49:26
